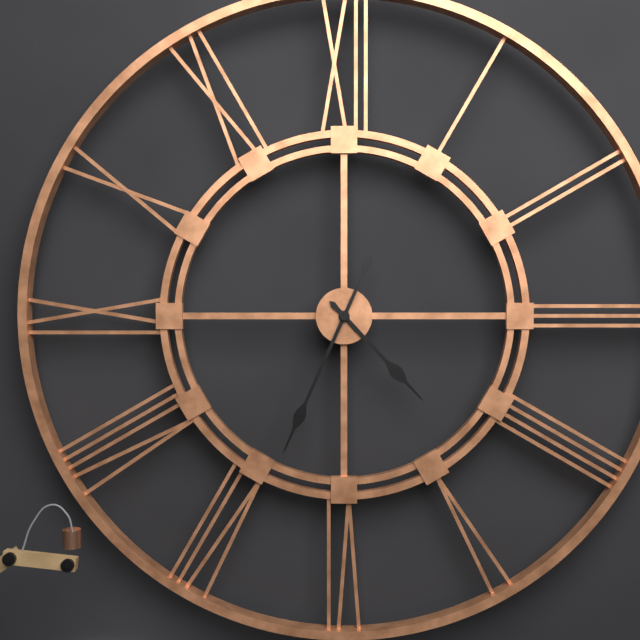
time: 4:34
